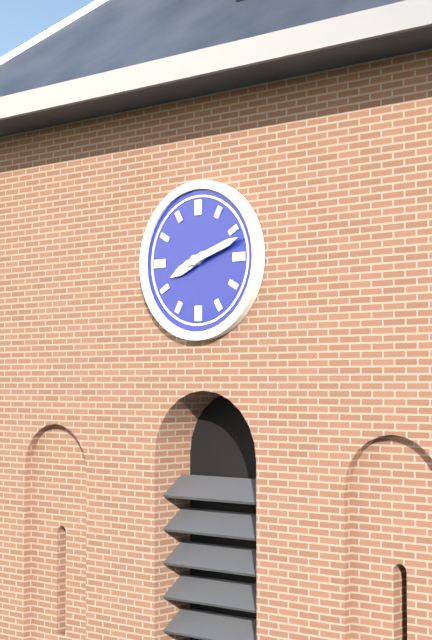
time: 8:12
